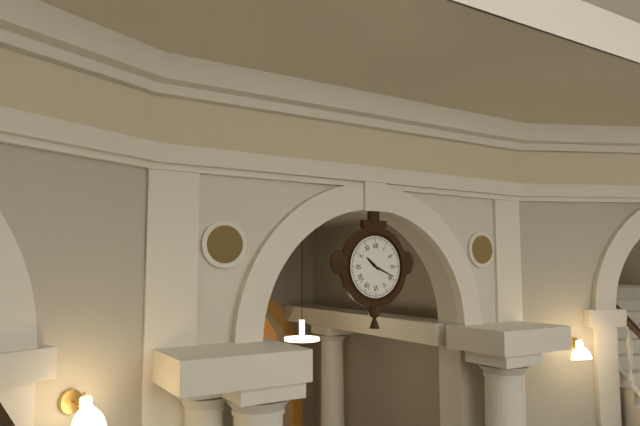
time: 10:19
